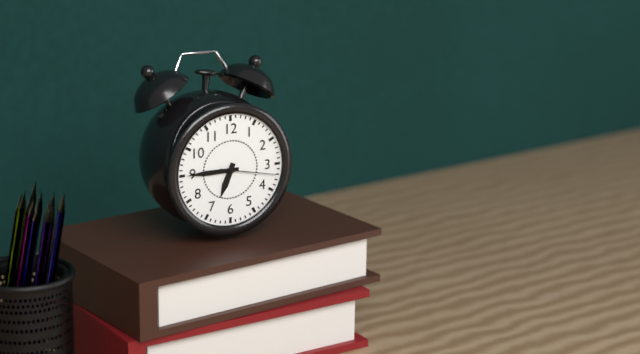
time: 6:45:17
